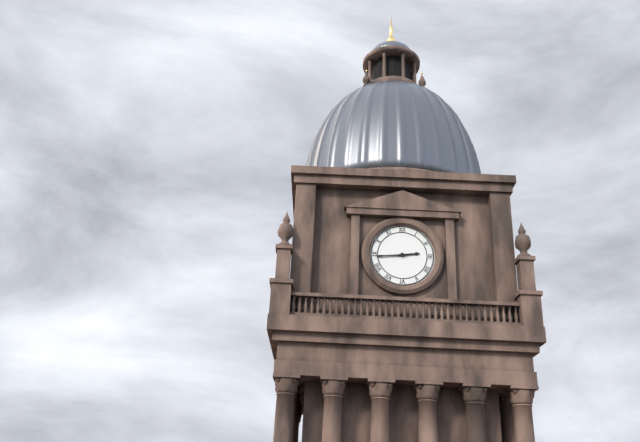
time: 2:44
